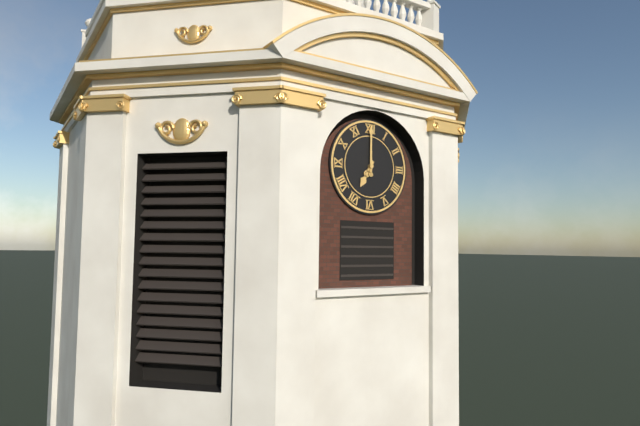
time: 7:00
